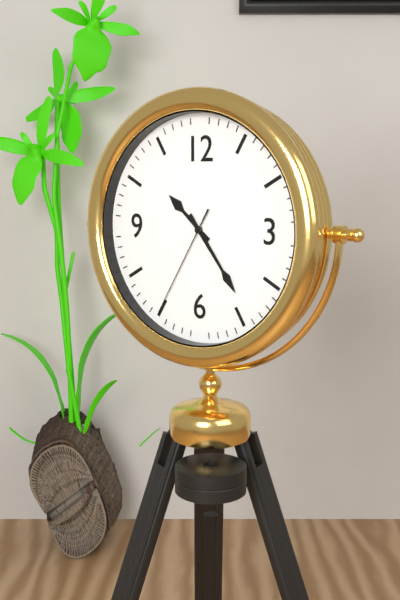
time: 10:24:35
